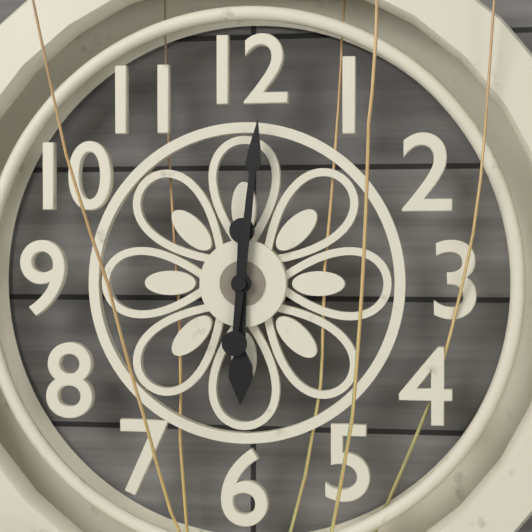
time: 6:01
